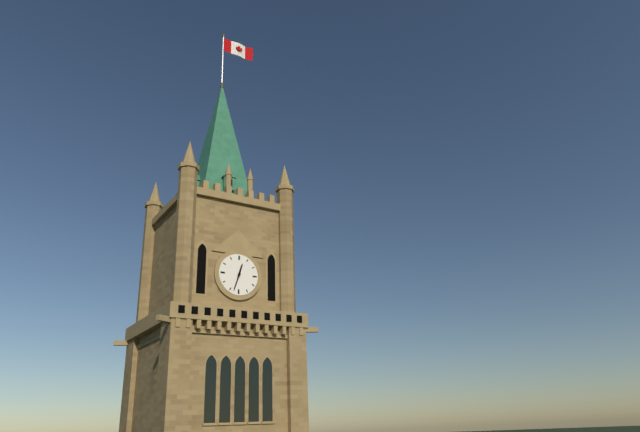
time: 12:33
